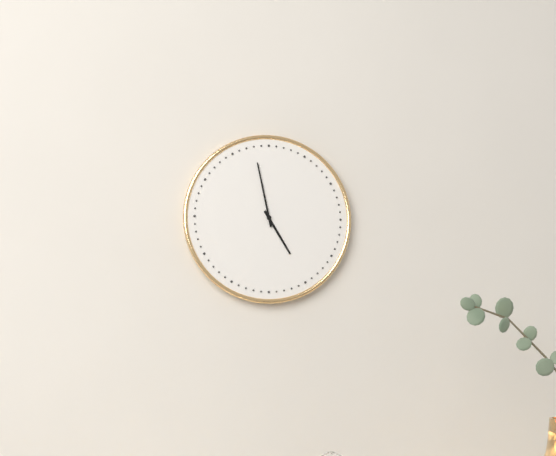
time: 4:58
